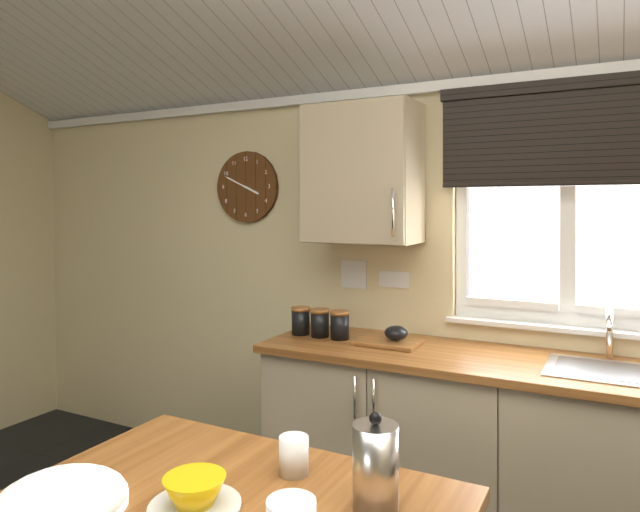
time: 3:49
